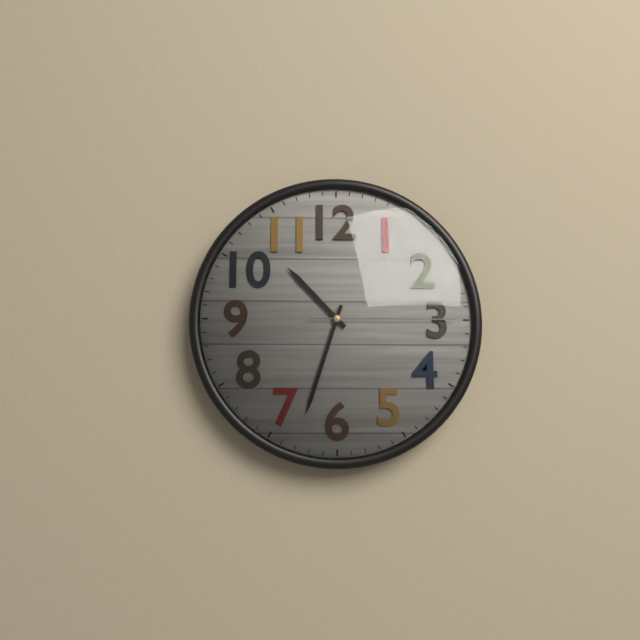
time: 10:33:15
